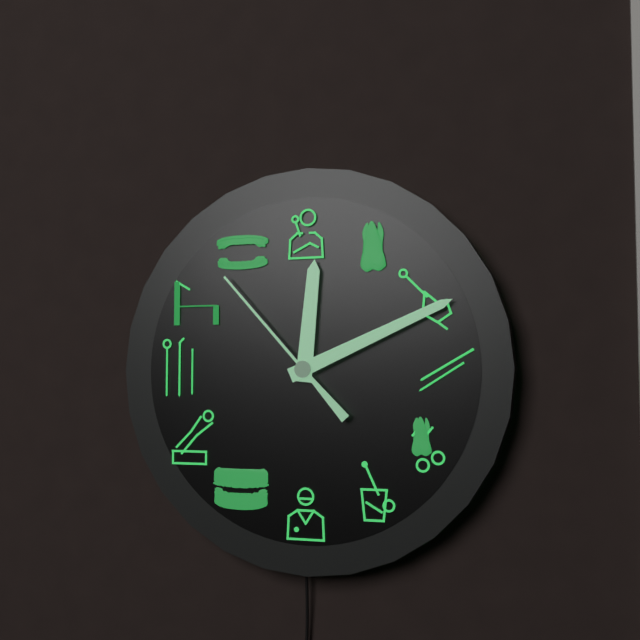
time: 12:11:53
